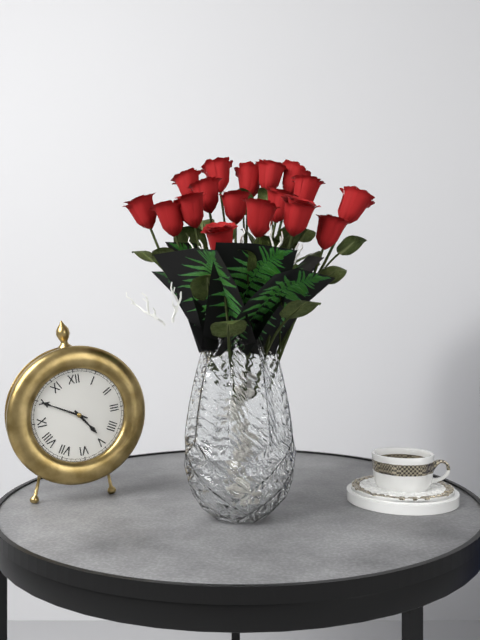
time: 4:50
